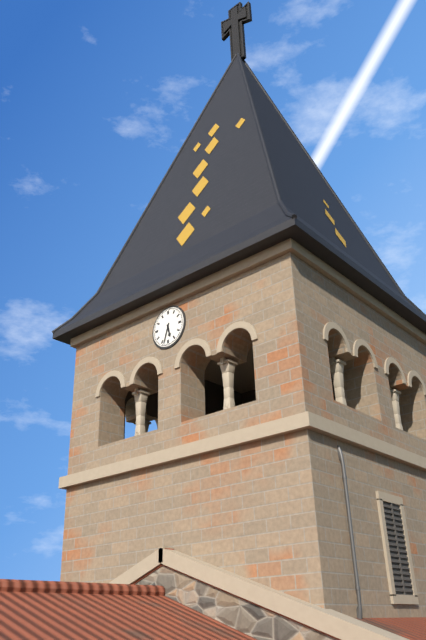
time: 5:33
